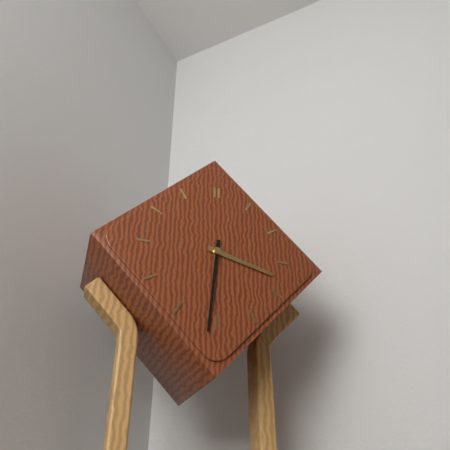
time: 3:31
